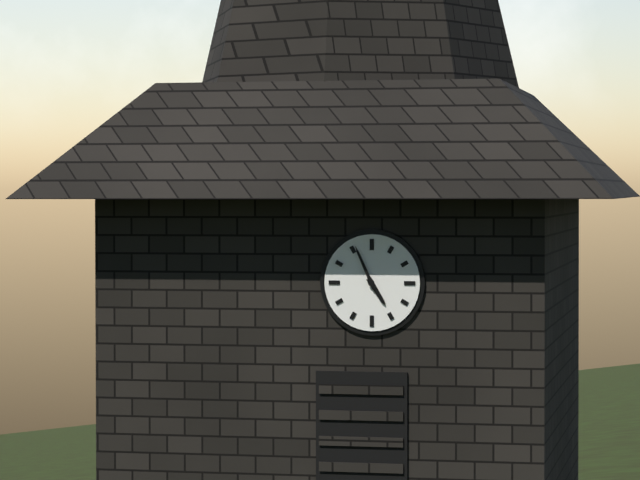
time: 4:56
